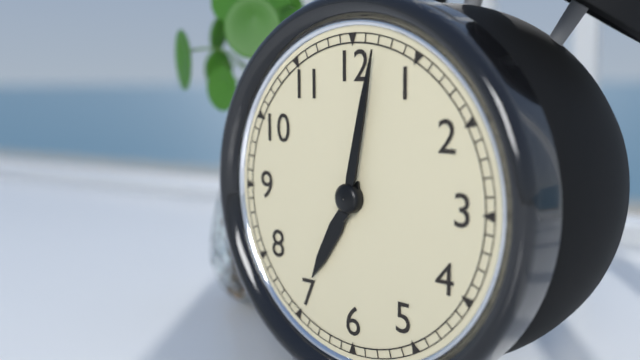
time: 7:02
